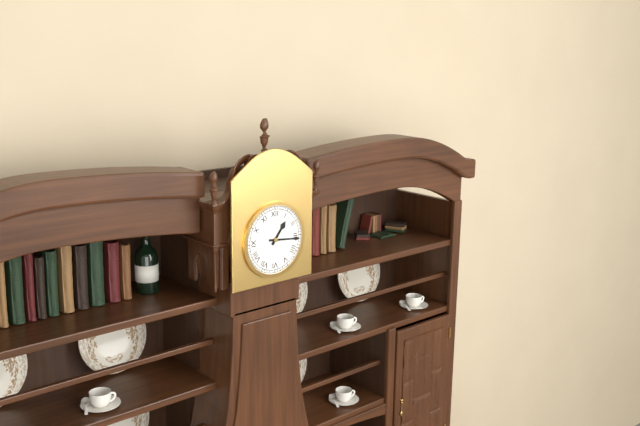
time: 1:16
